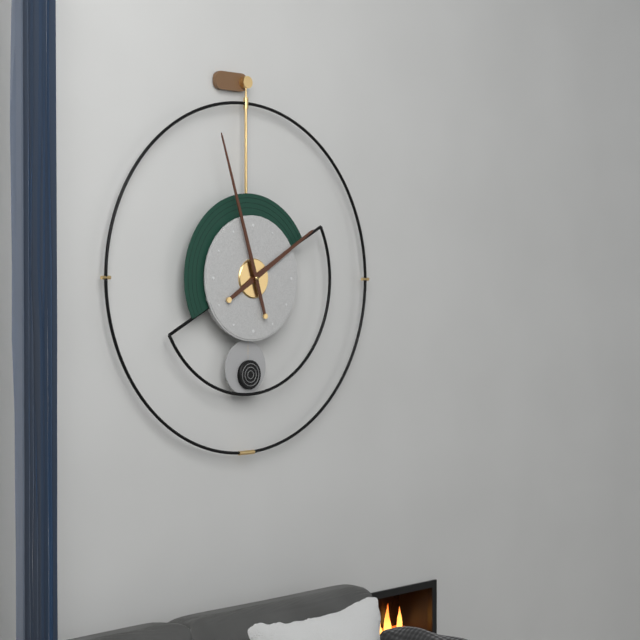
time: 1:57
